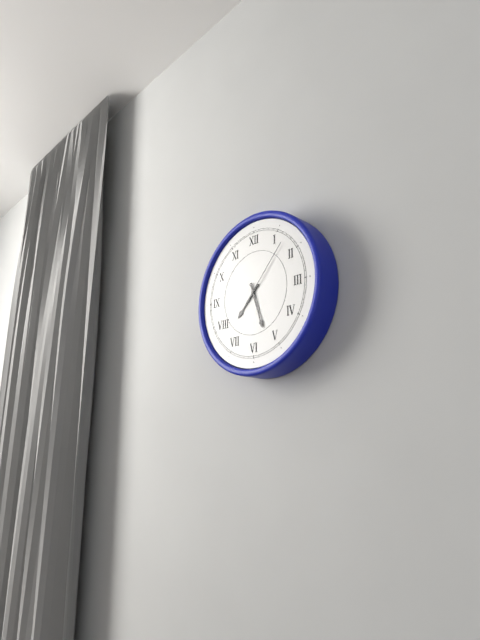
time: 7:27:07
